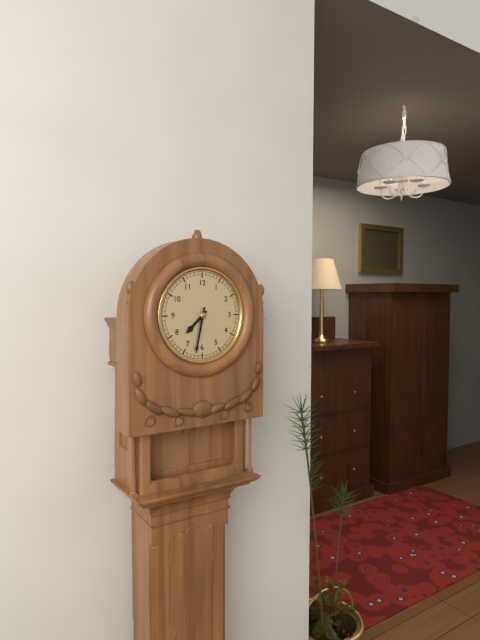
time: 7:32
